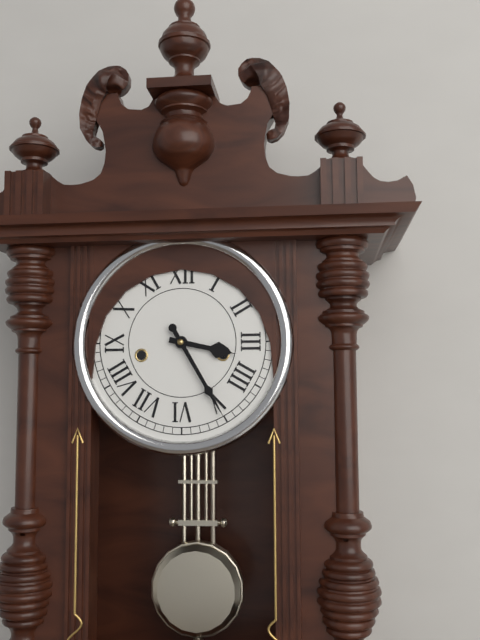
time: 3:25
